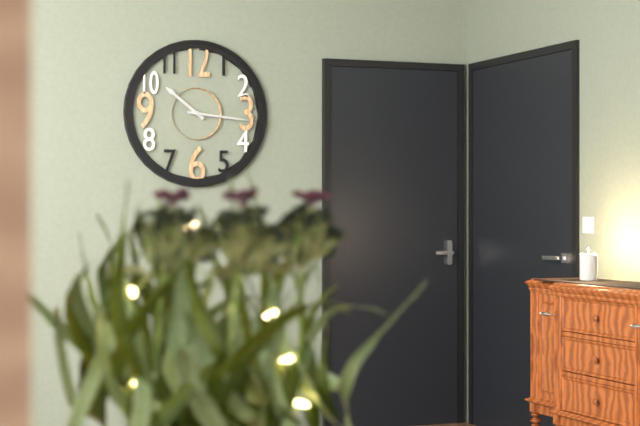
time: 10:16
